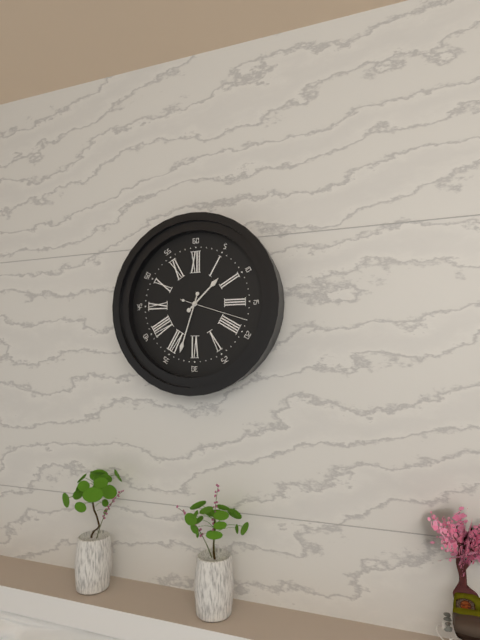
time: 1:33:18
